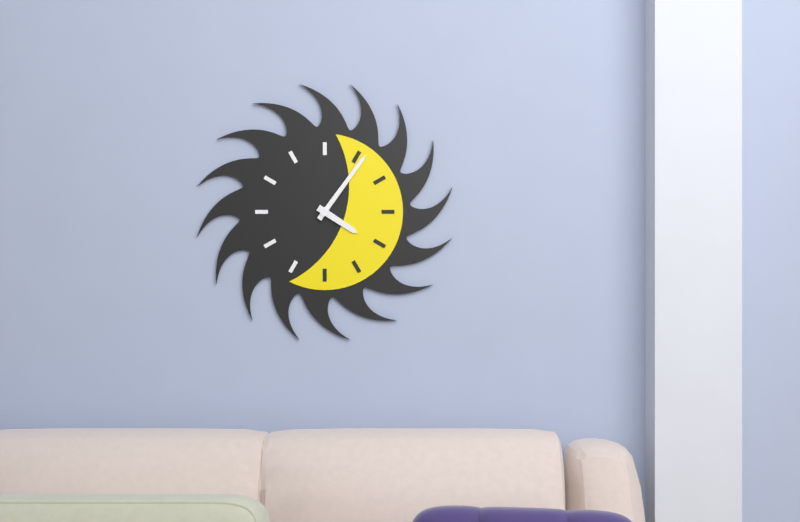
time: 4:06
